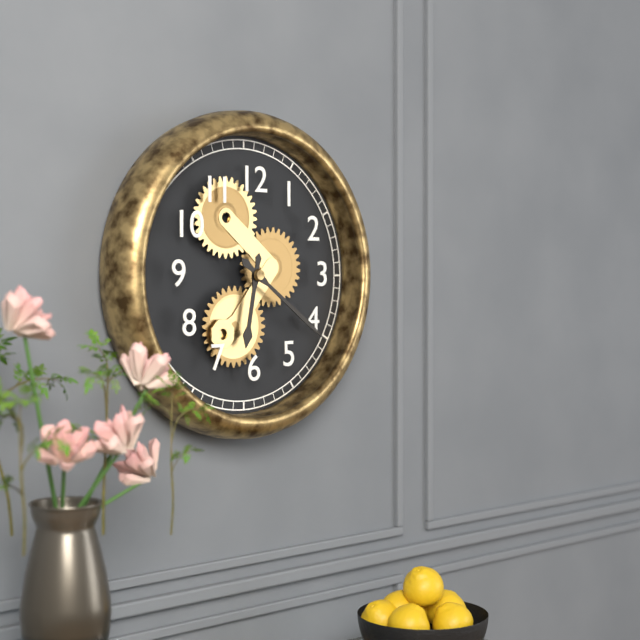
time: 6:21
